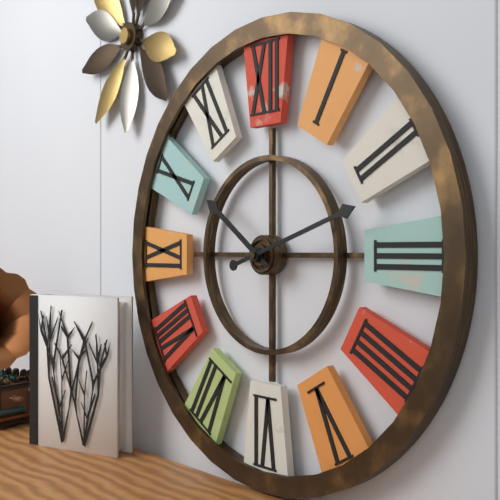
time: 10:12
